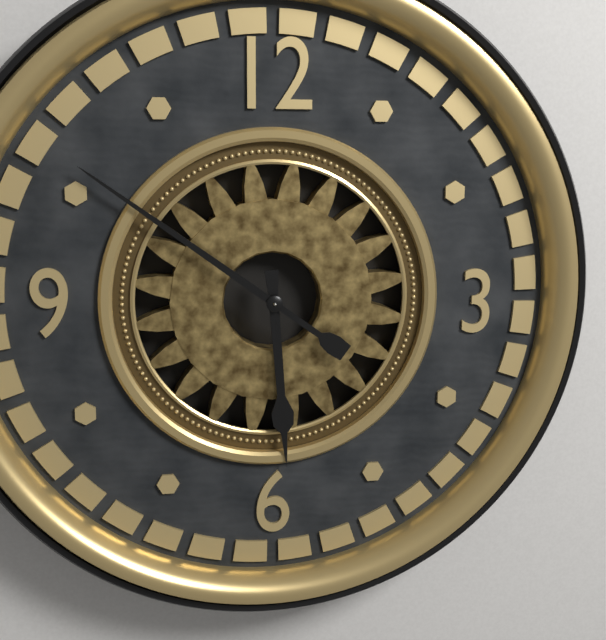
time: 5:51
